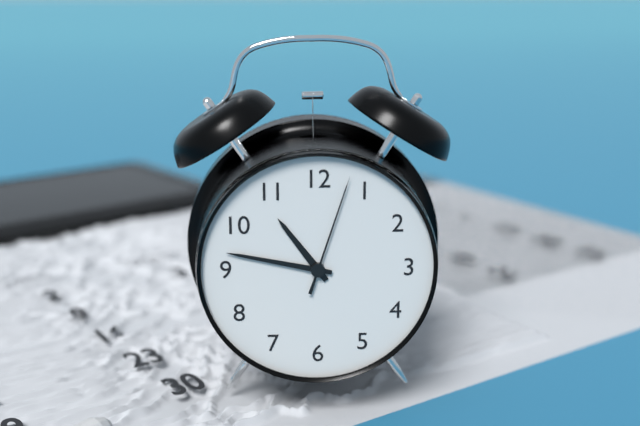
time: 10:47:03
